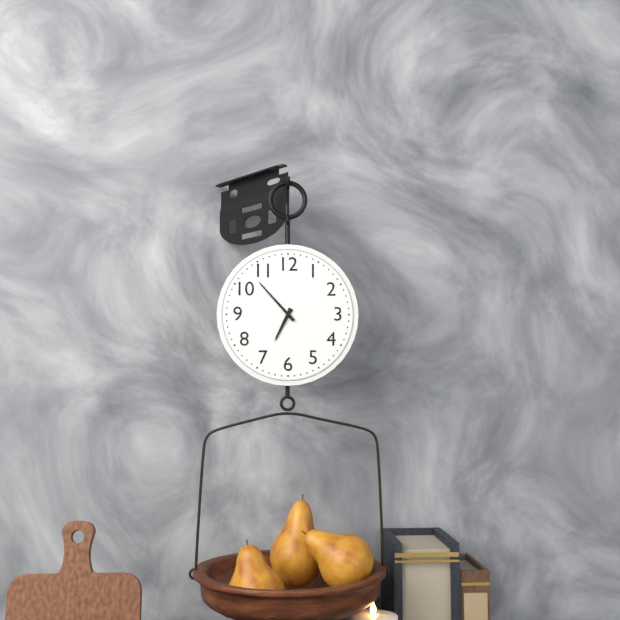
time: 6:53
